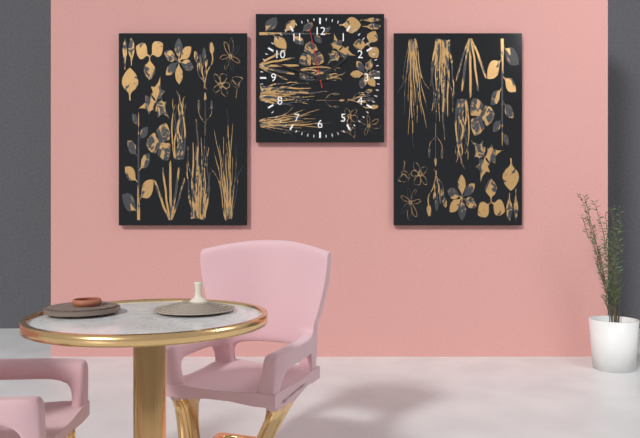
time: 1:48:58
